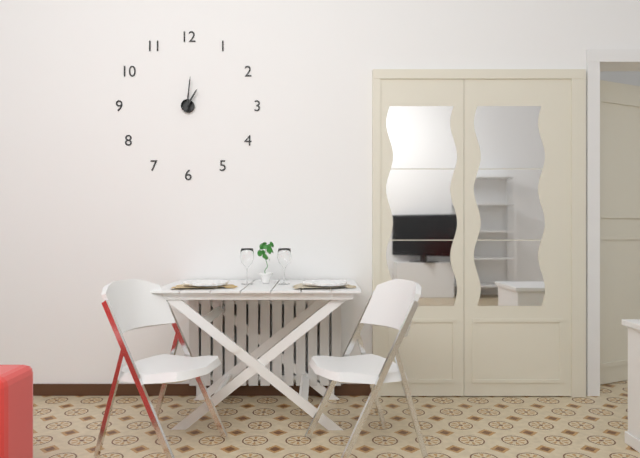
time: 1:01
